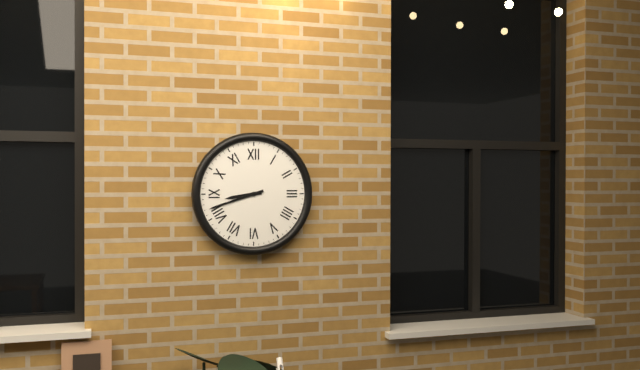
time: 8:42
